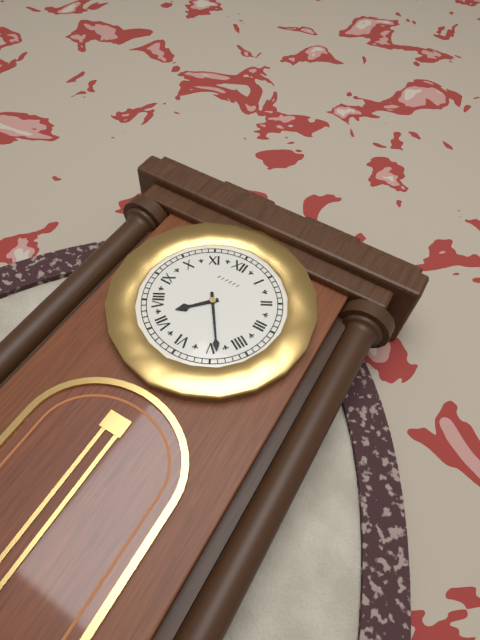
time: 7:24
